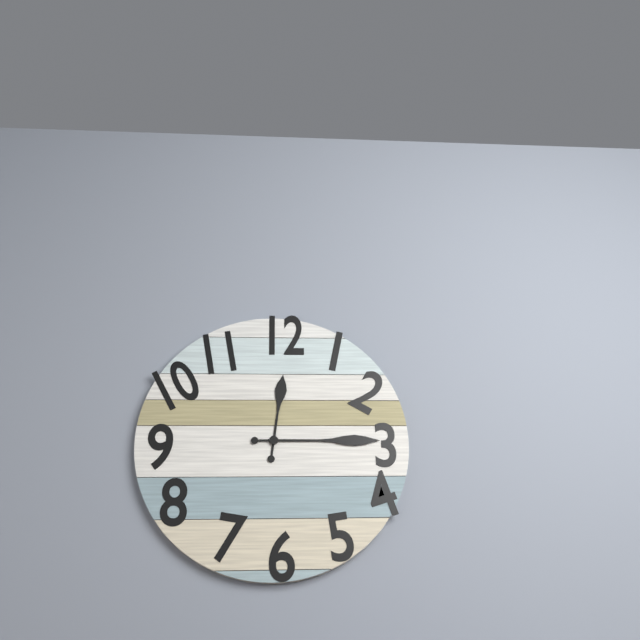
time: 12:15
